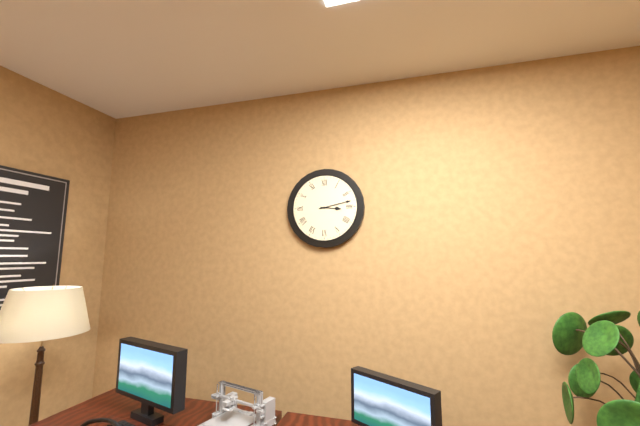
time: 3:13
